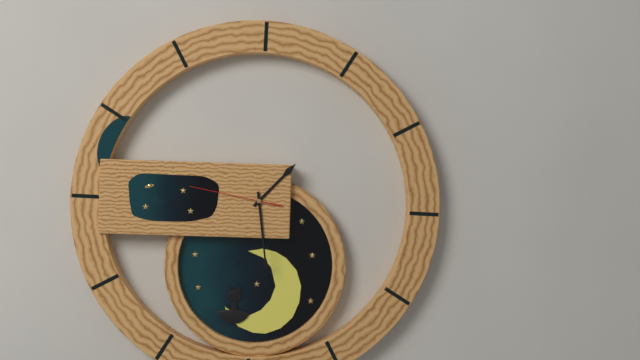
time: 1:29:47
